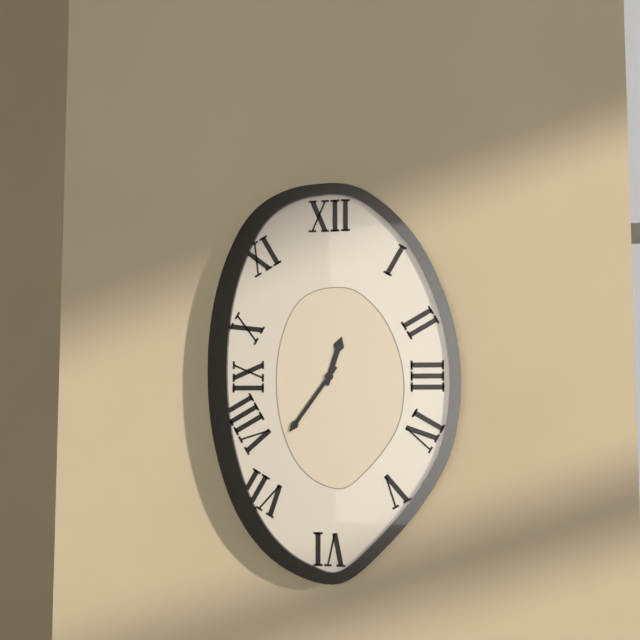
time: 12:36
